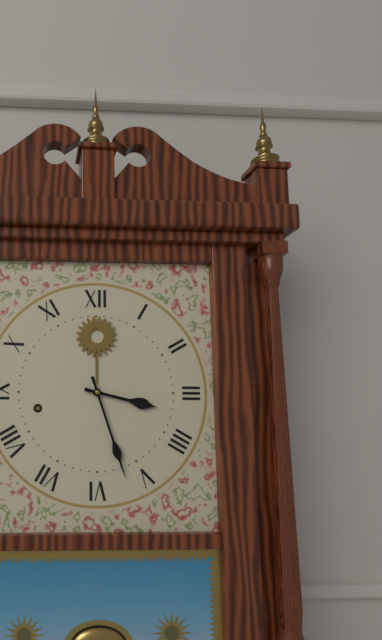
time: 3:27
